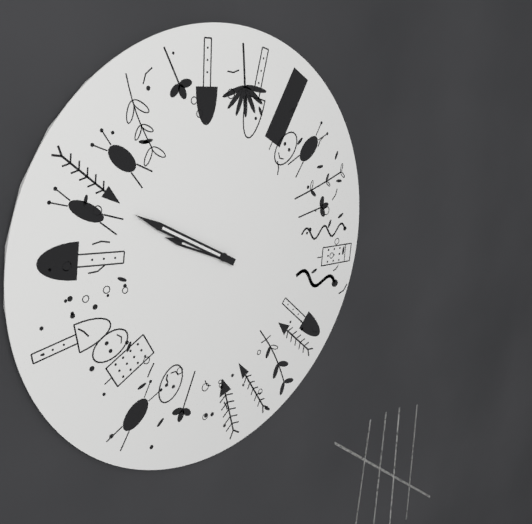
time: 9:50
